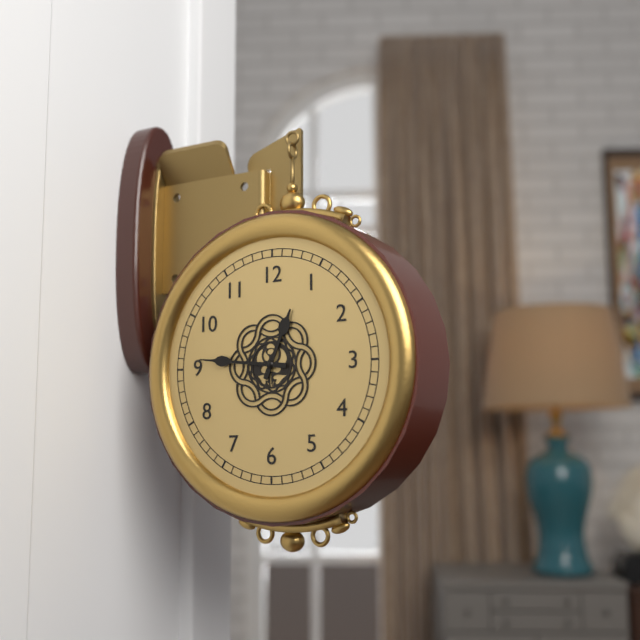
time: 12:46
